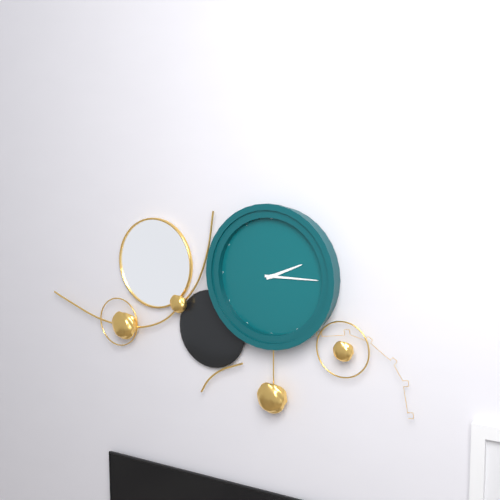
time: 2:15
